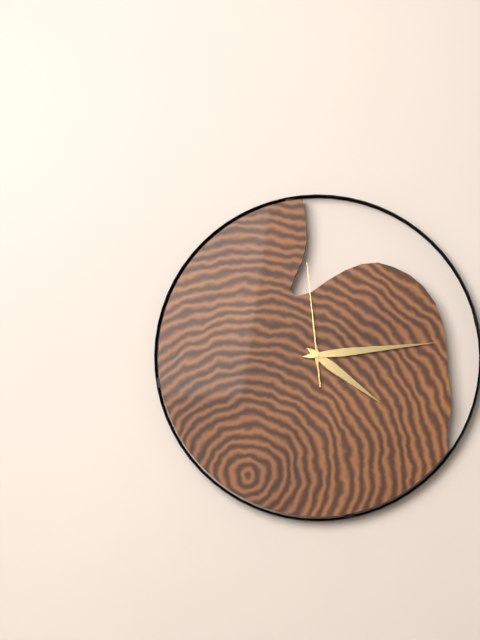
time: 4:14:59
